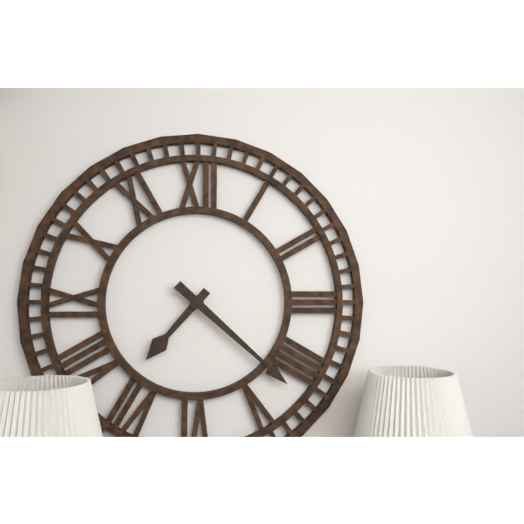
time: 7:22
